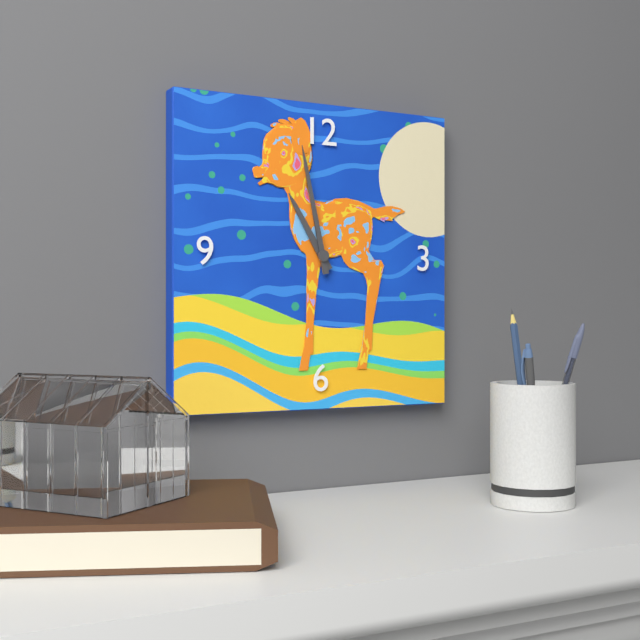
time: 10:58
